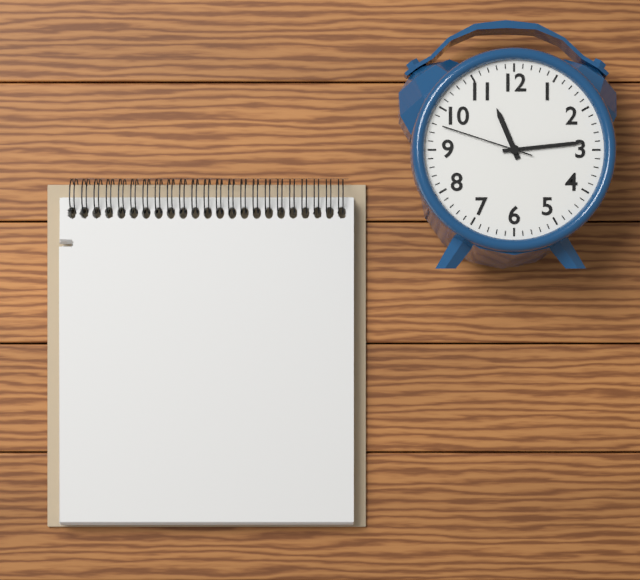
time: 11:14:48
